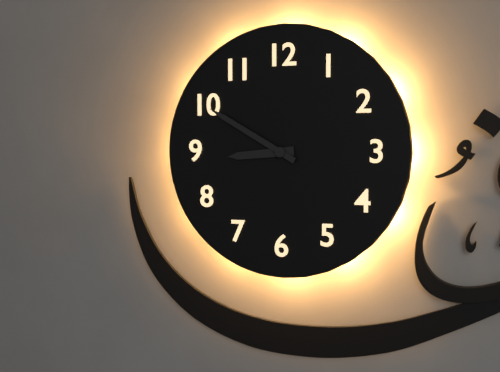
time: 8:50
